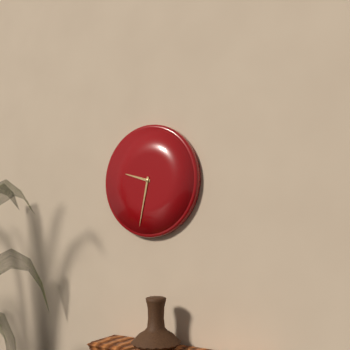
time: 9:32
